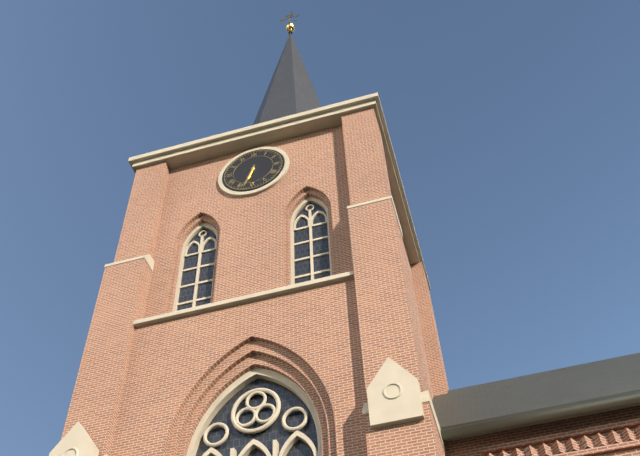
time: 6:33
